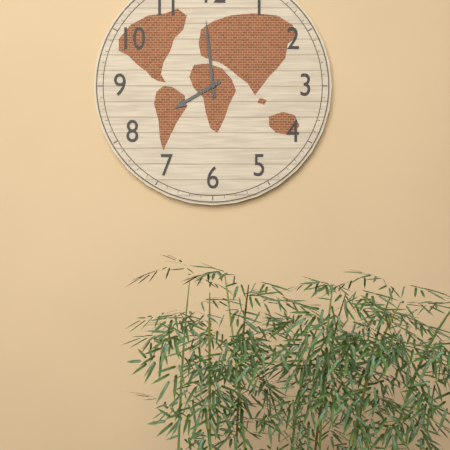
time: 7:59
